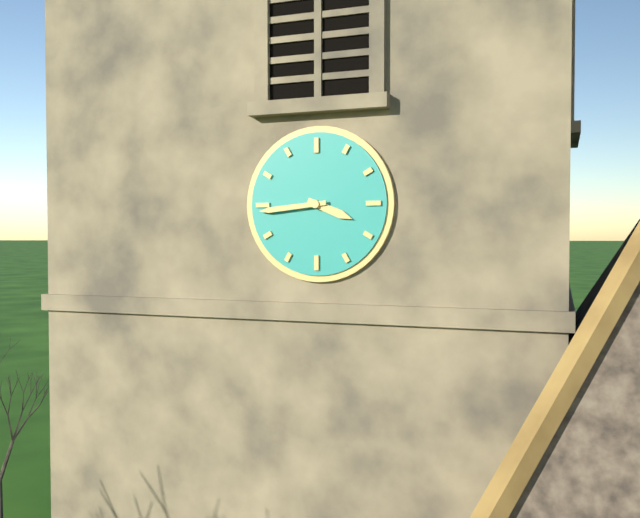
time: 3:44
